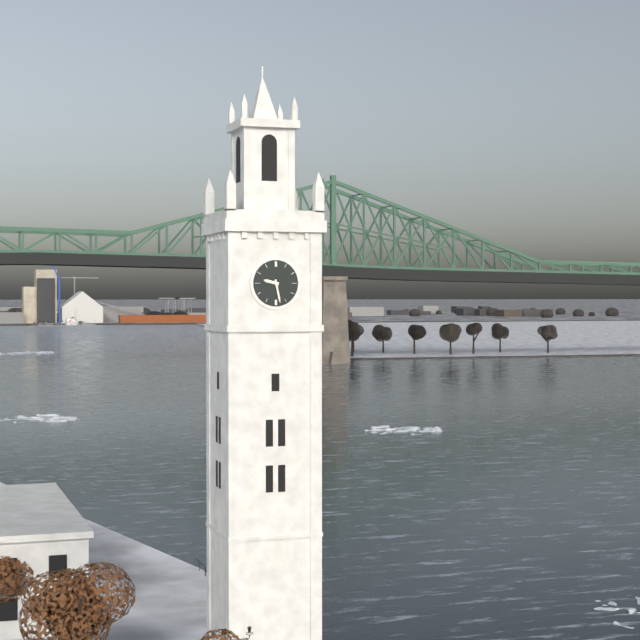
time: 9:28
